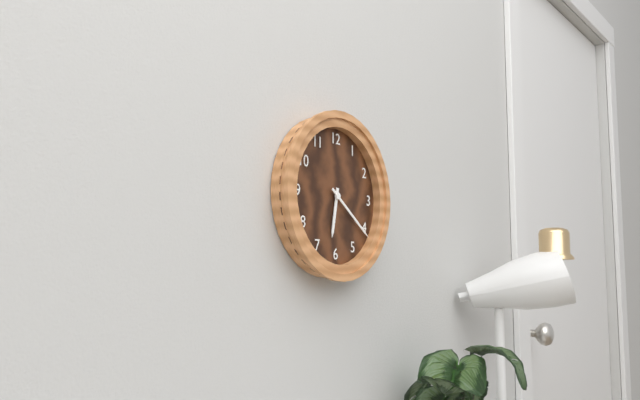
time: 6:21
